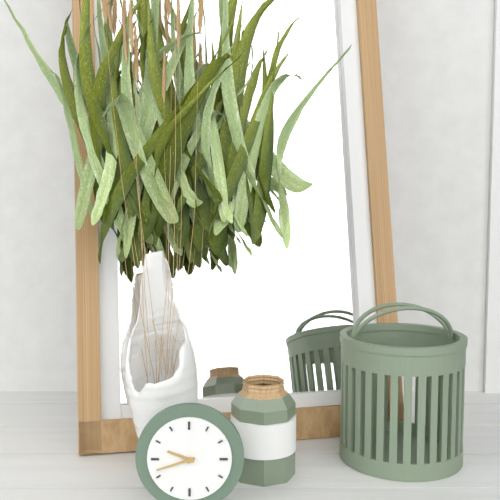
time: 9:42
